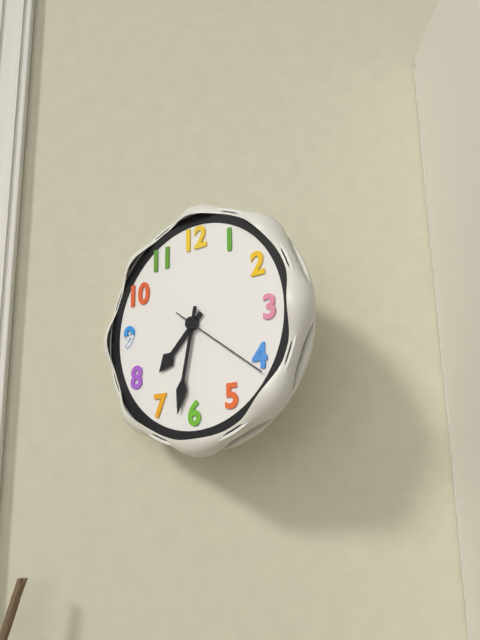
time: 7:32:21
